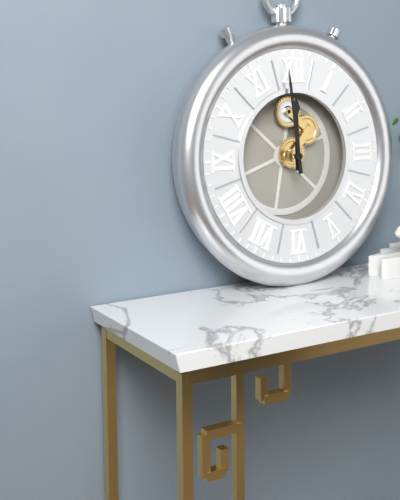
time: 11:59
